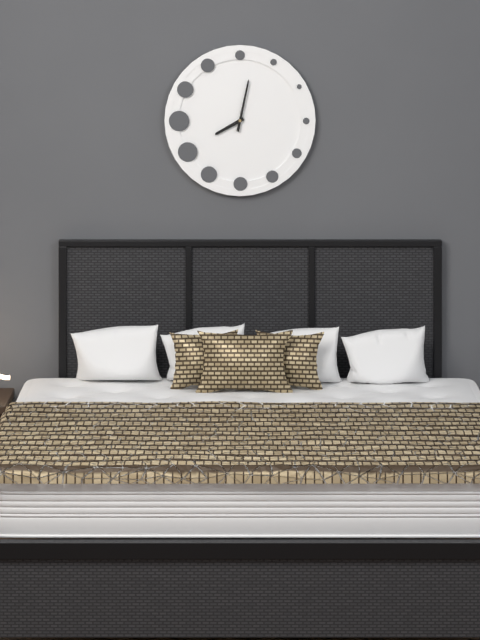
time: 8:02
